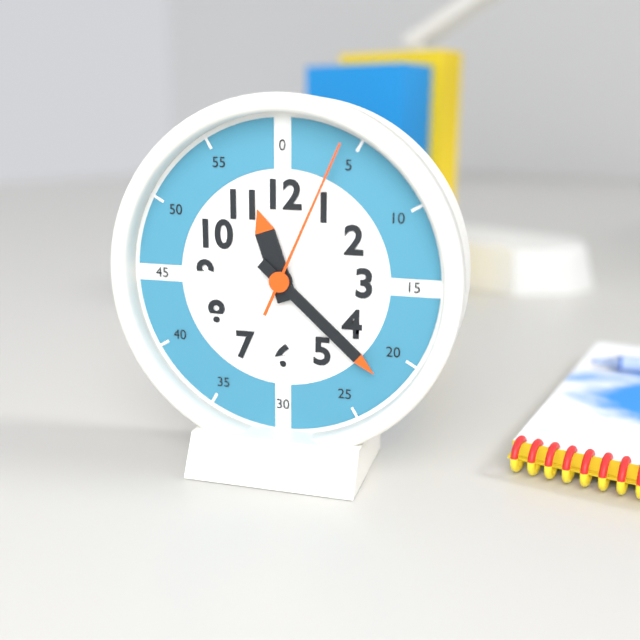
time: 11:22:04
